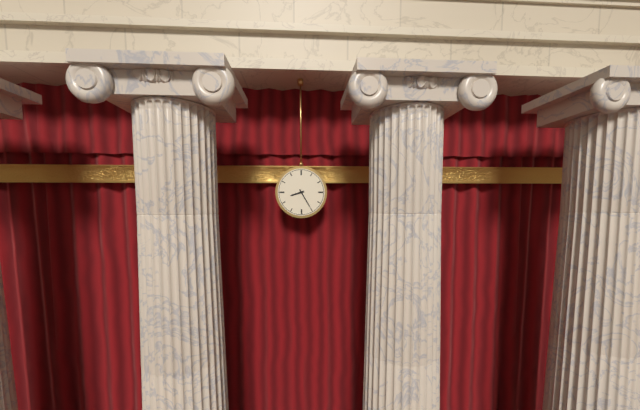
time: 8:25
